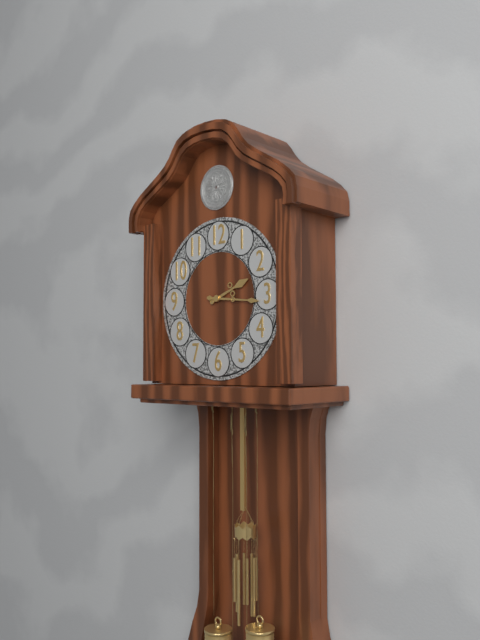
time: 2:16
